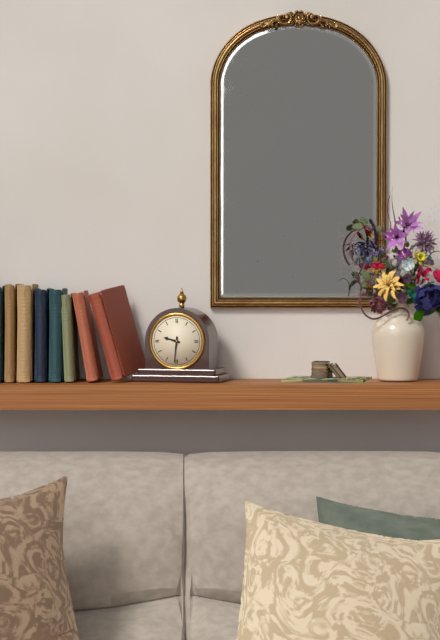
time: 9:31
